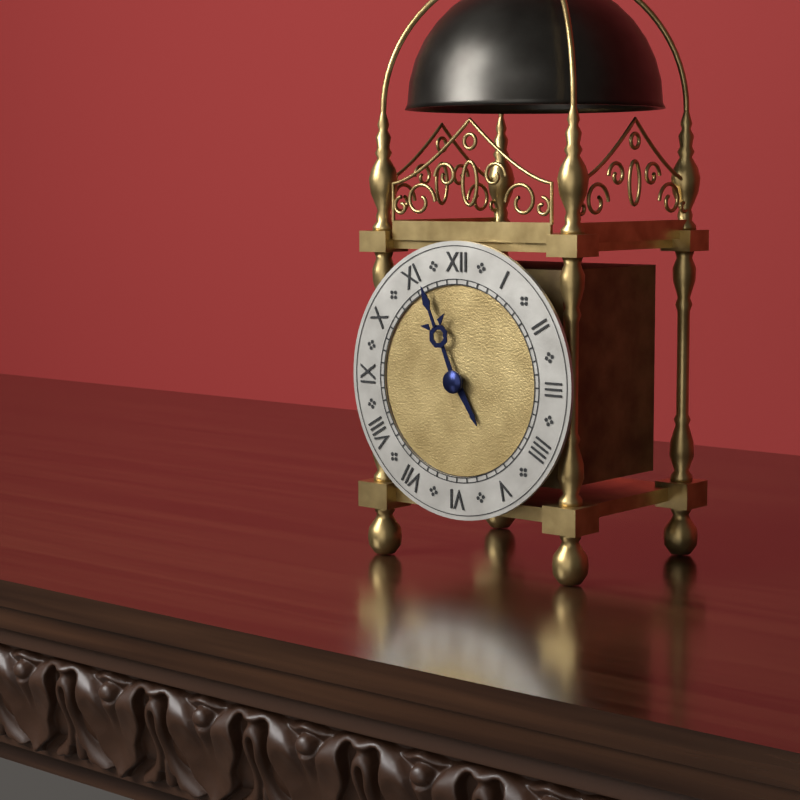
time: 4:56
